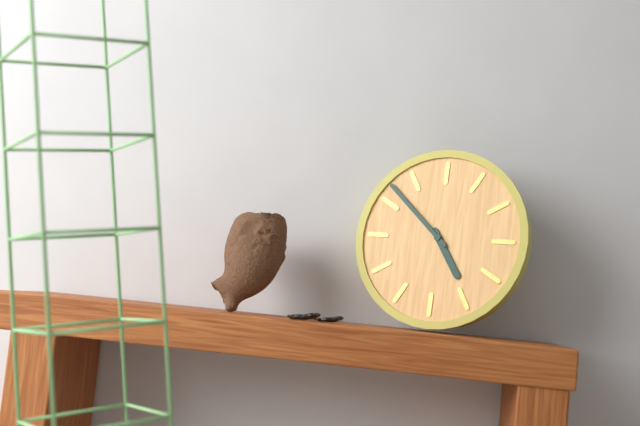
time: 4:52
